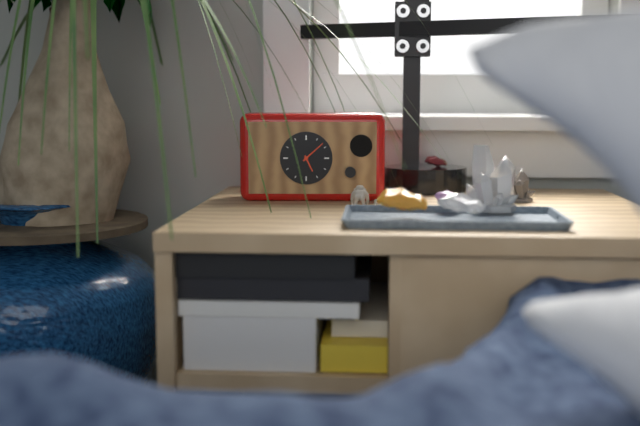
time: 5:08
